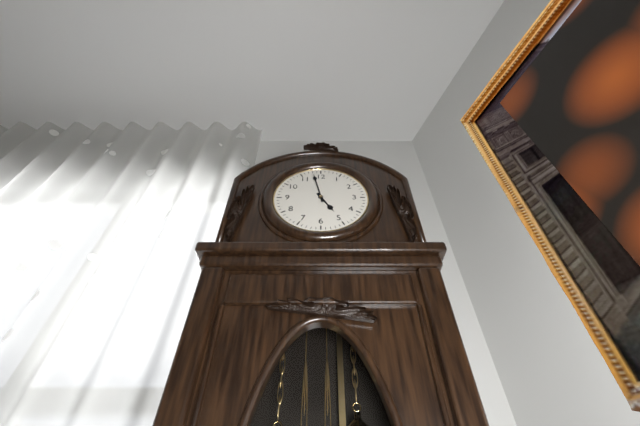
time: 4:58
